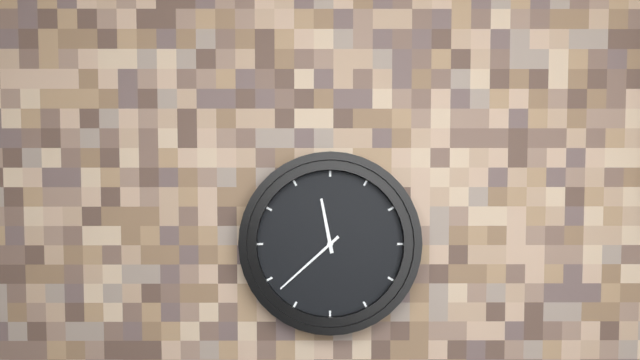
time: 11:38
